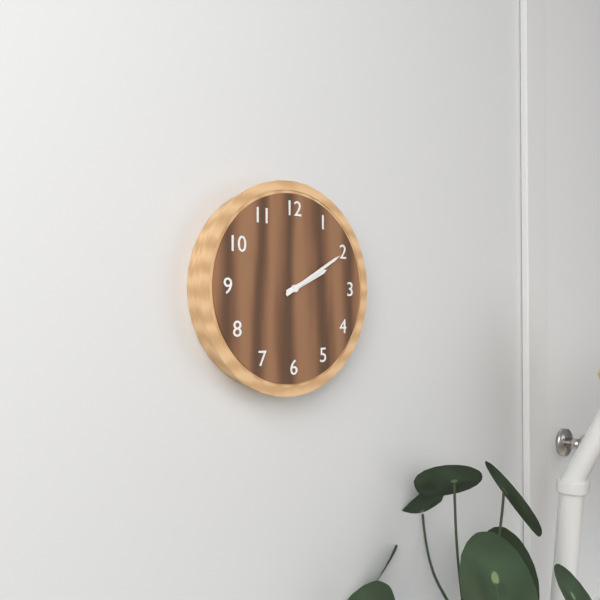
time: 2:10
